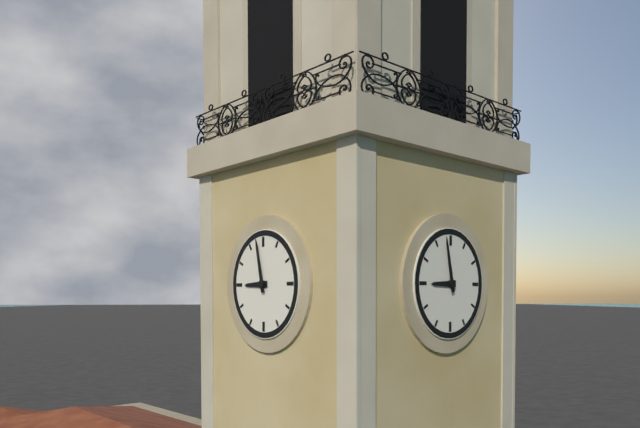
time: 8:58
